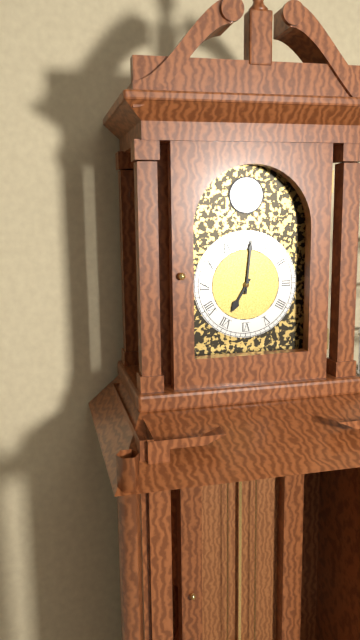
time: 7:01
